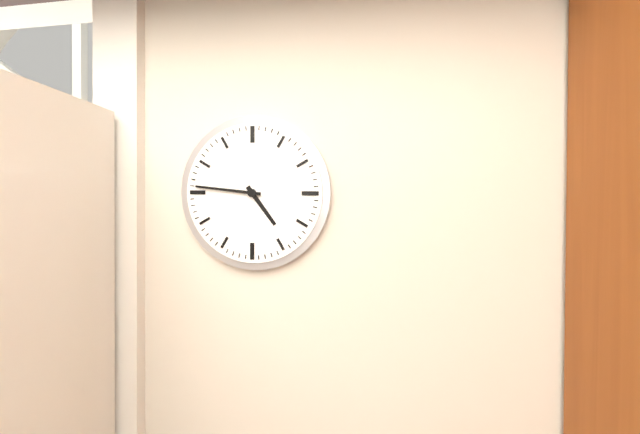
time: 4:46
